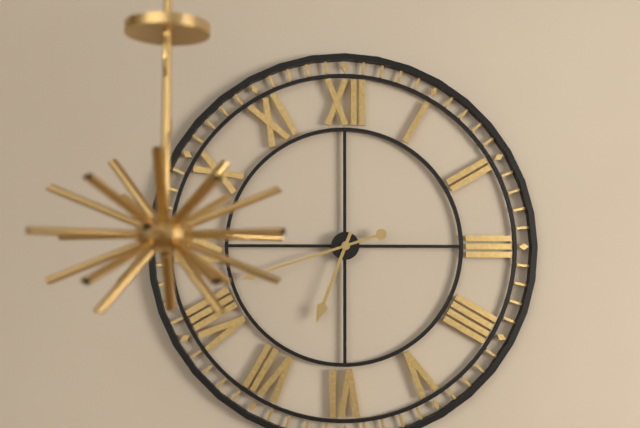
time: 6:42
